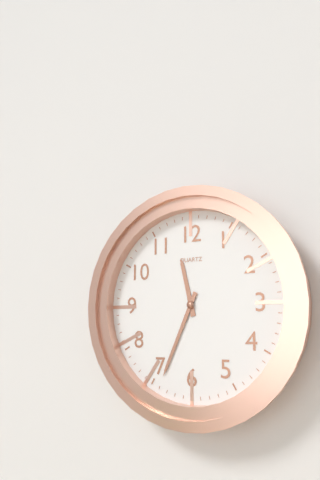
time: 11:34
